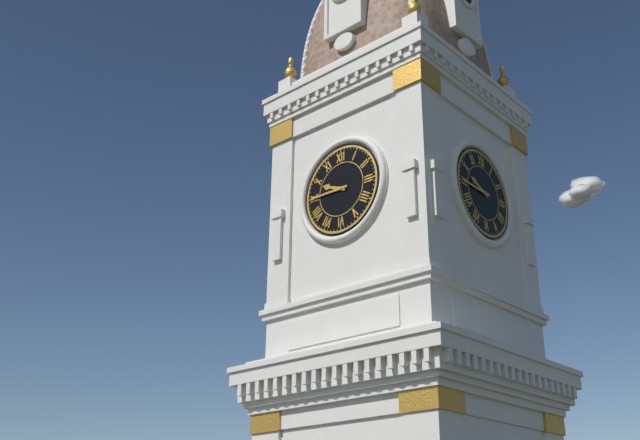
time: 9:45
